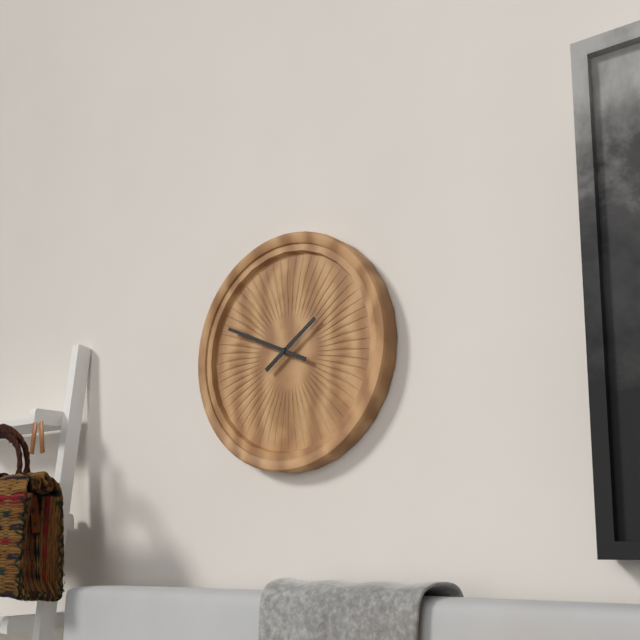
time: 1:49
